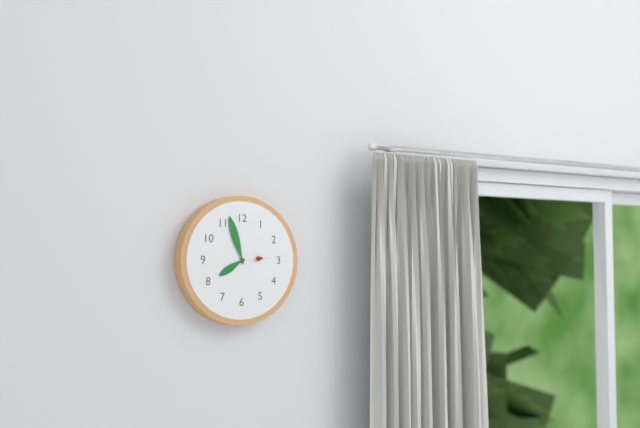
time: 7:57:14
